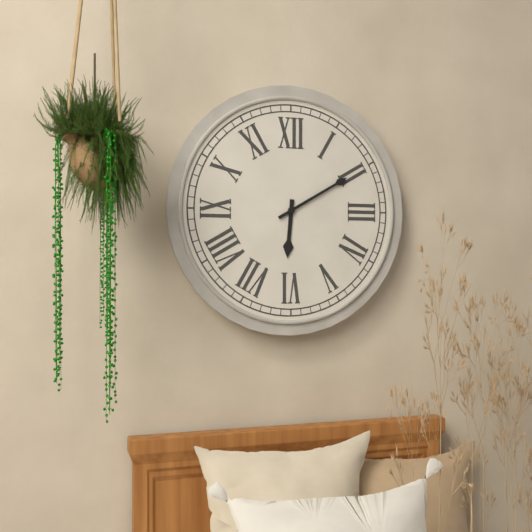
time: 6:10
